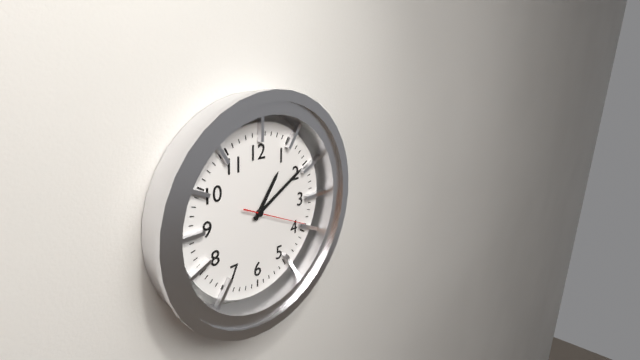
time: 1:10:19
